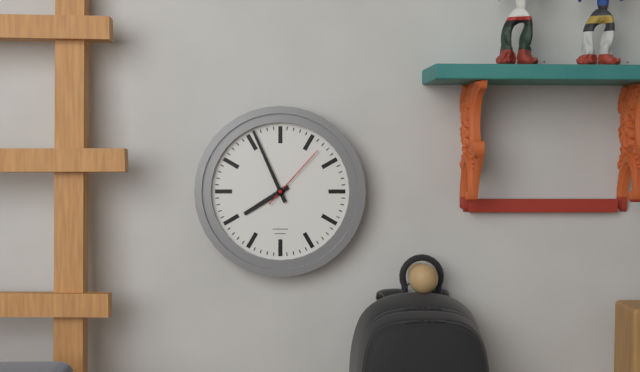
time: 7:56:07
